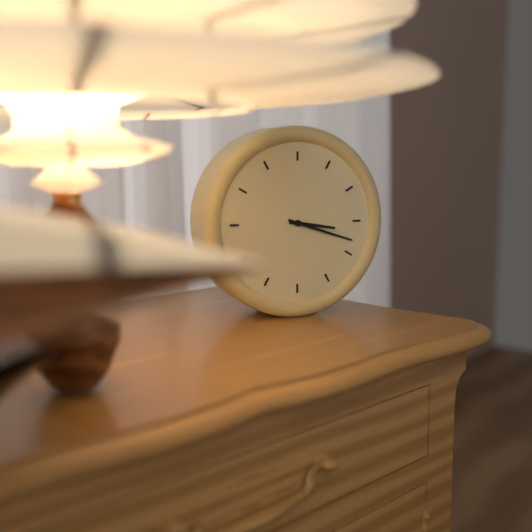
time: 3:18
